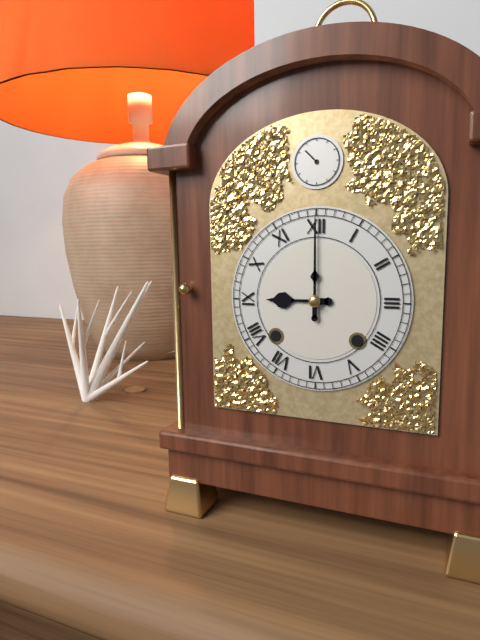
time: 9:00
